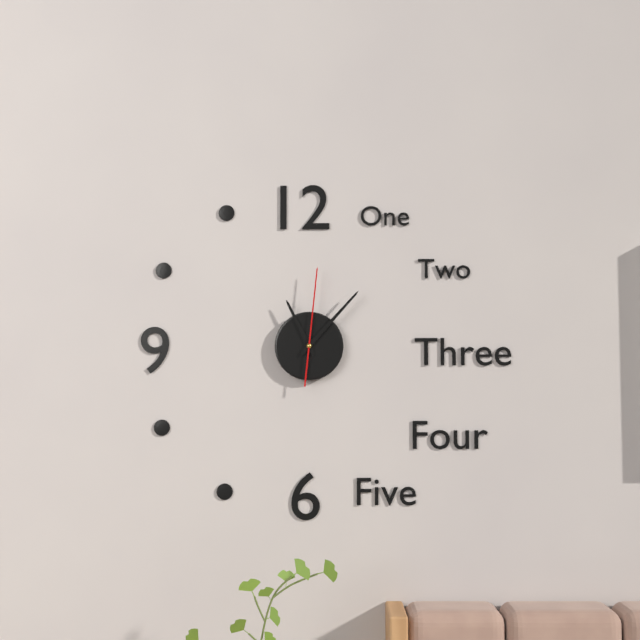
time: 11:07:01
